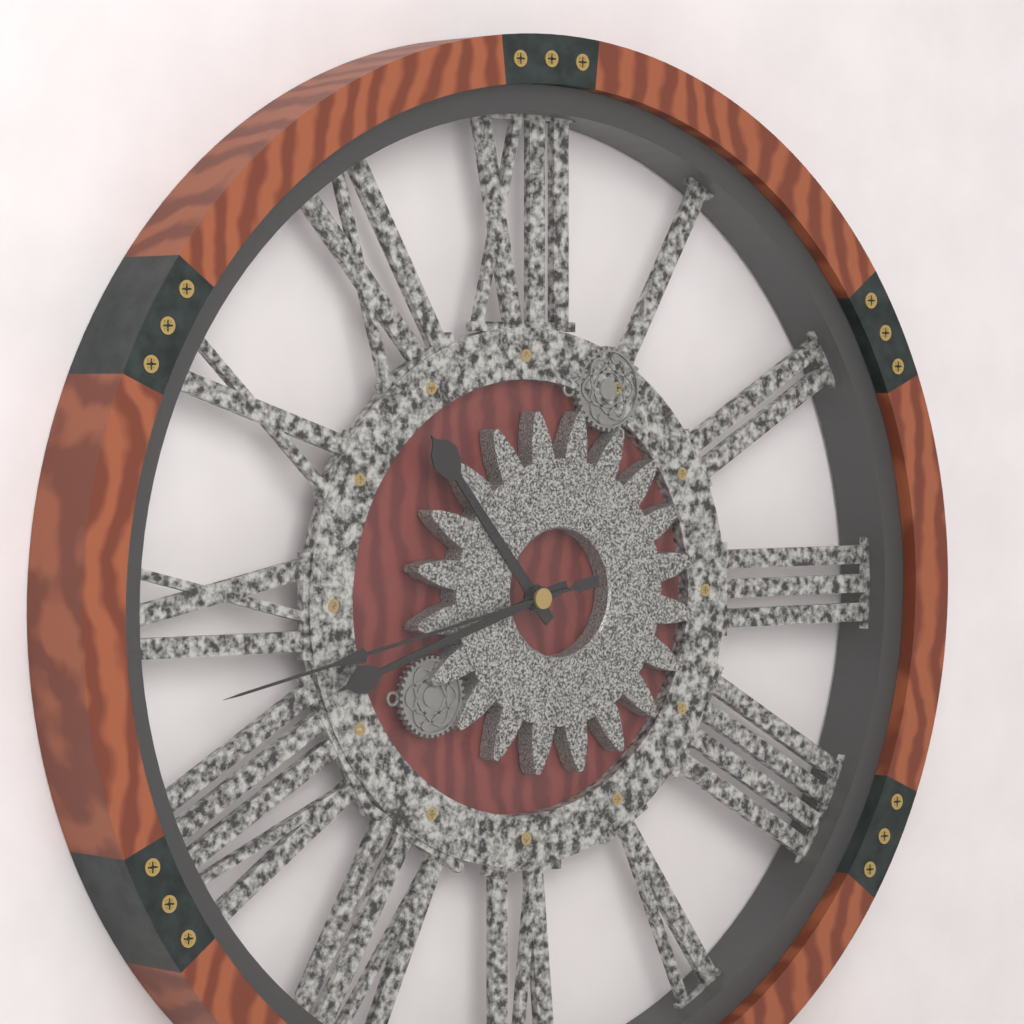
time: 10:42:43
